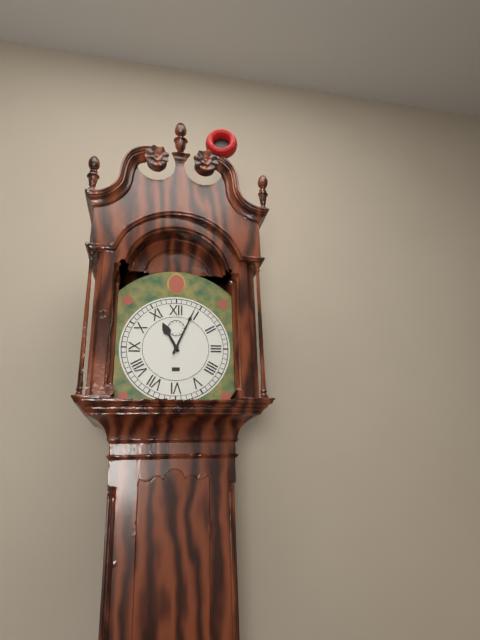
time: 11:04
